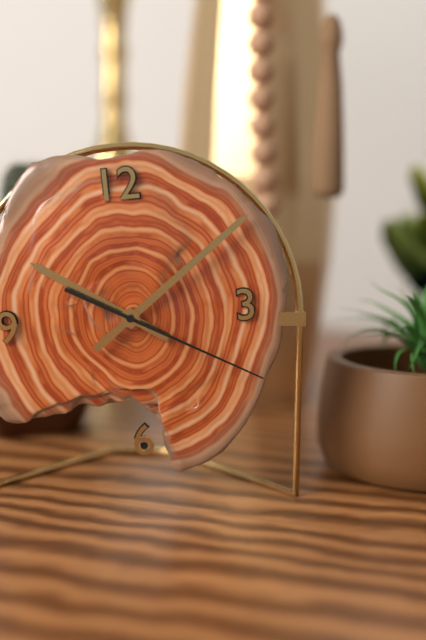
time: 10:09:20
